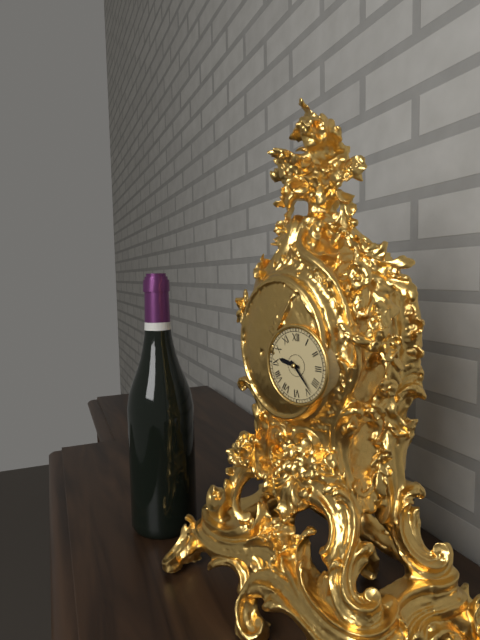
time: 9:23
